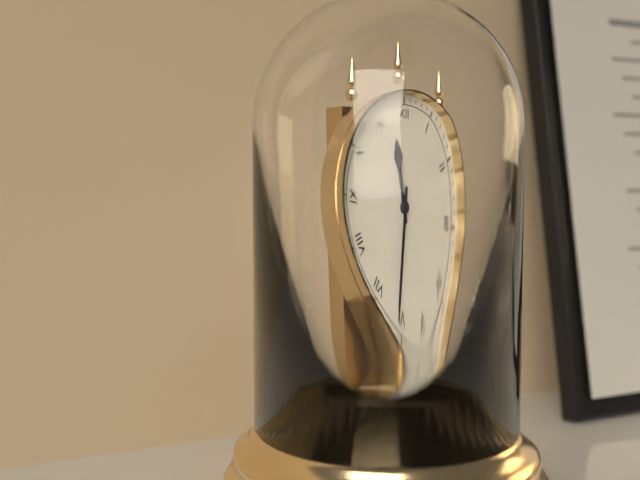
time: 11:31
